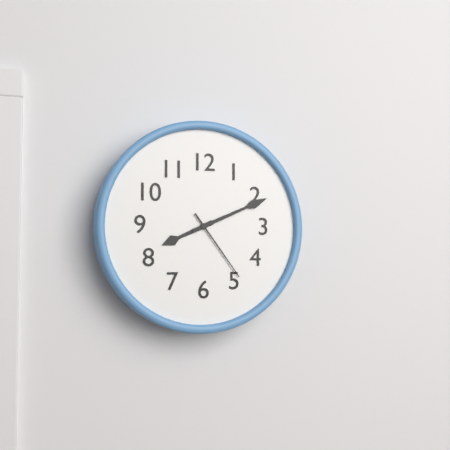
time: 8:11:24
